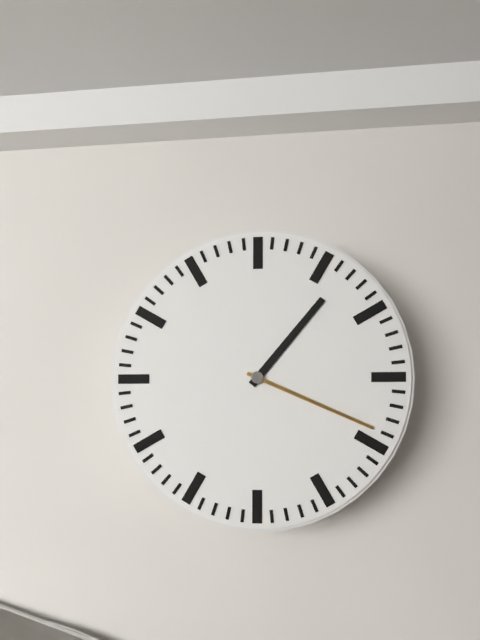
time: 1:19
